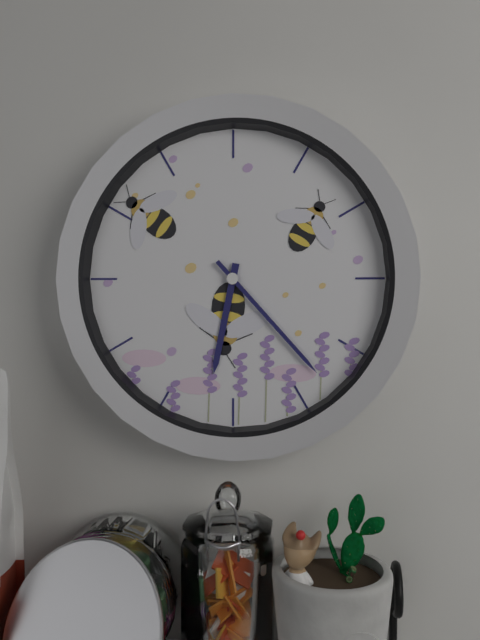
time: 6:23
